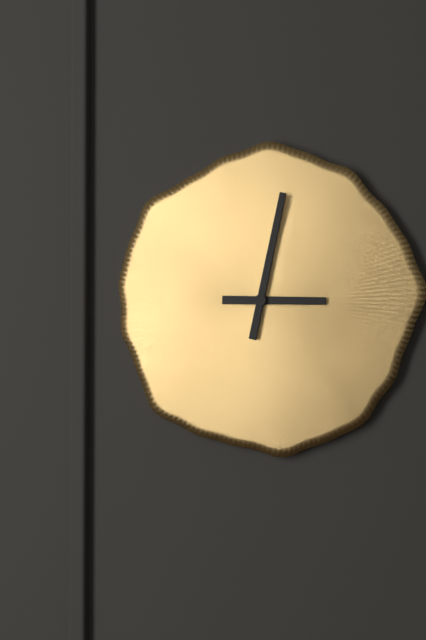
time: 3:02
